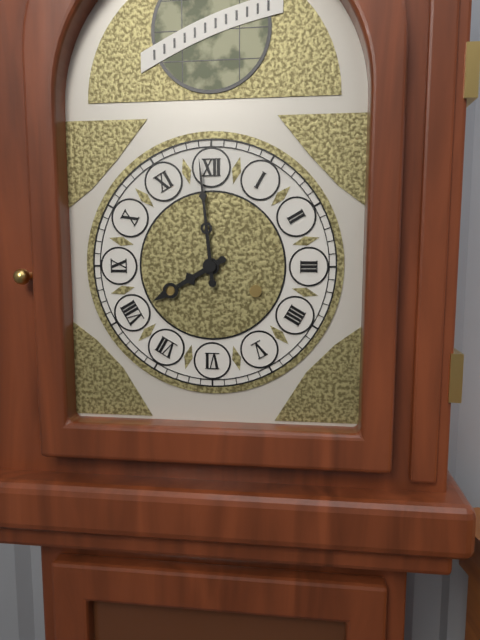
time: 7:59
